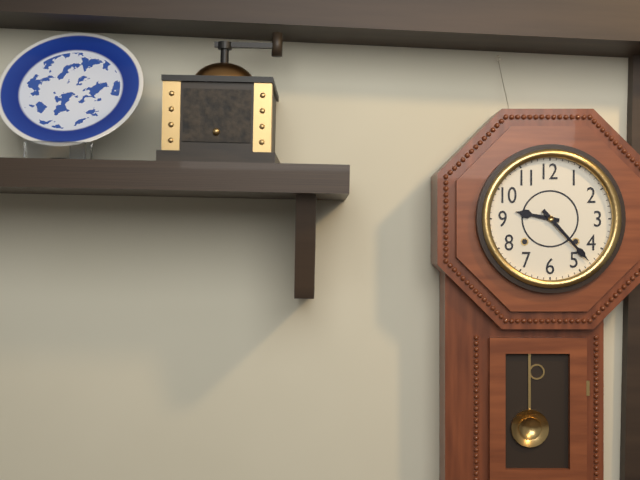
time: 9:23
